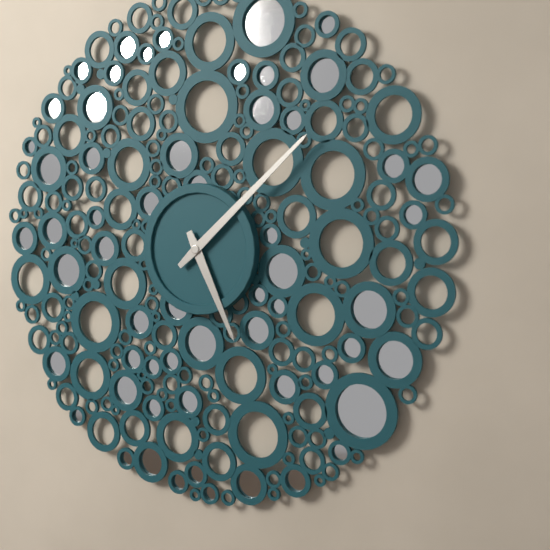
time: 5:08
